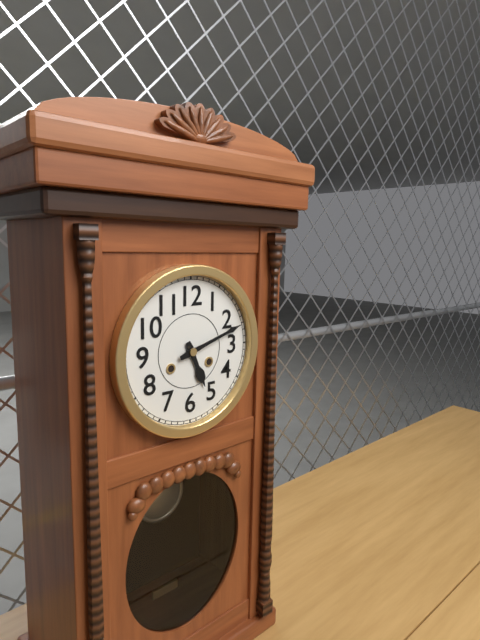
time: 5:12
